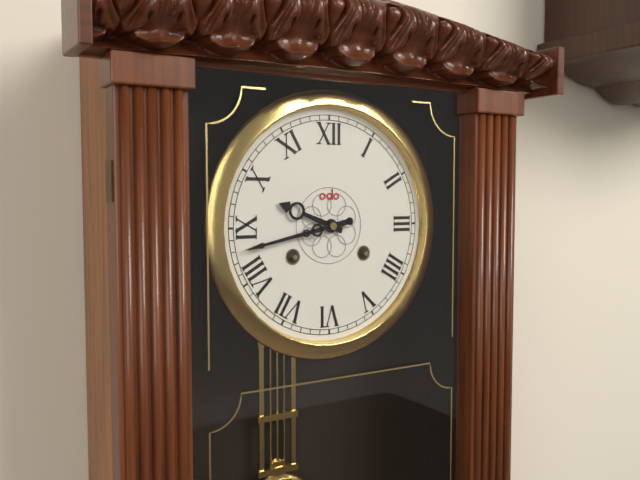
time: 9:43
